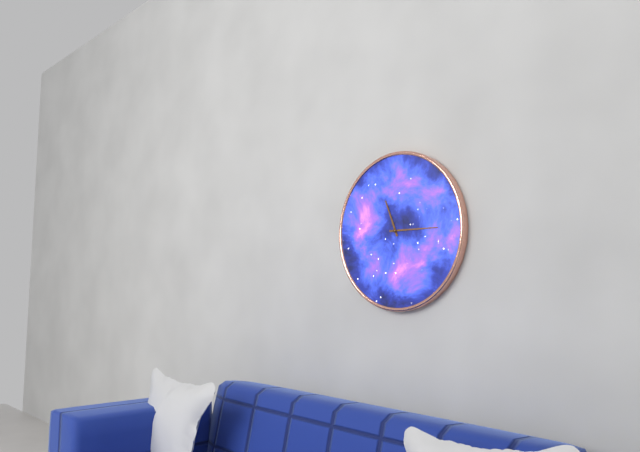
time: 11:15
